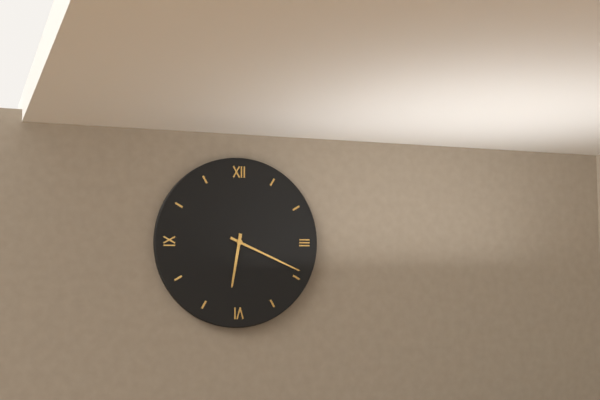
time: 6:19
